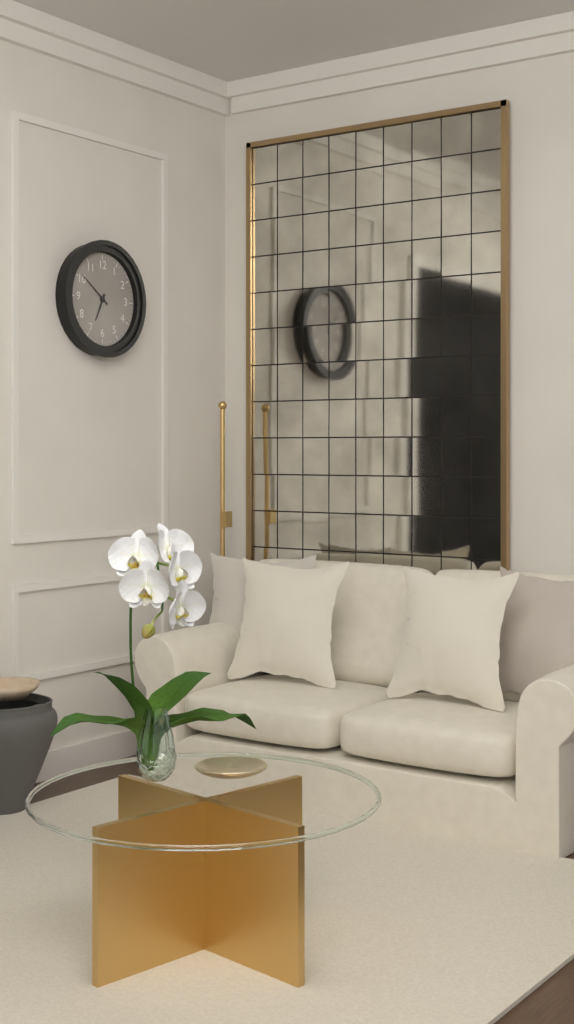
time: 6:51
